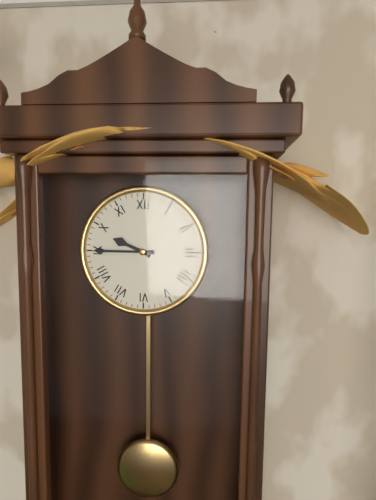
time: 9:45
